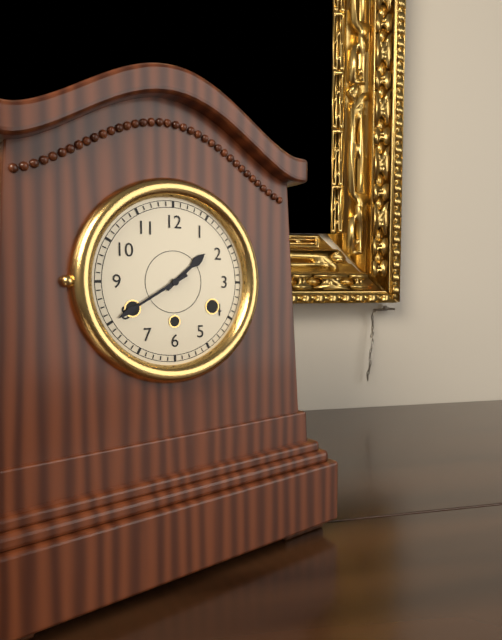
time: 1:40
